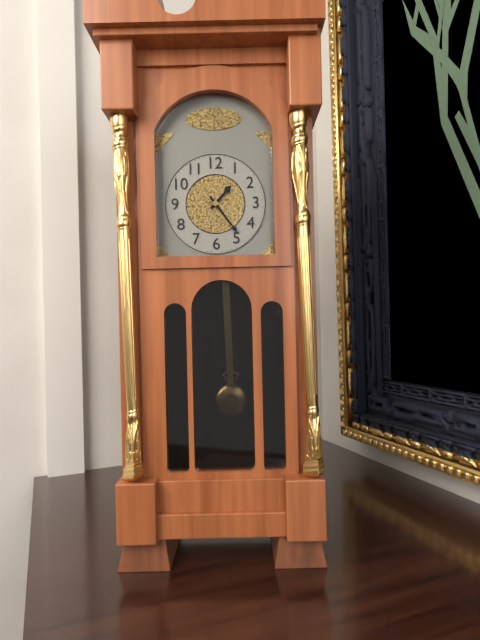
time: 1:24
